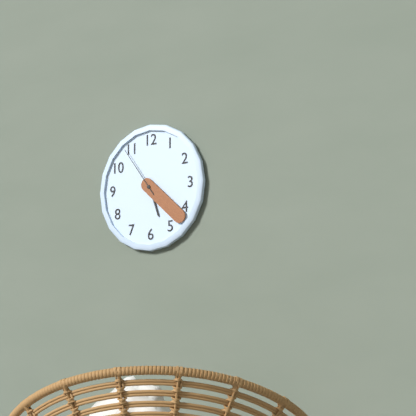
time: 5:22:54
